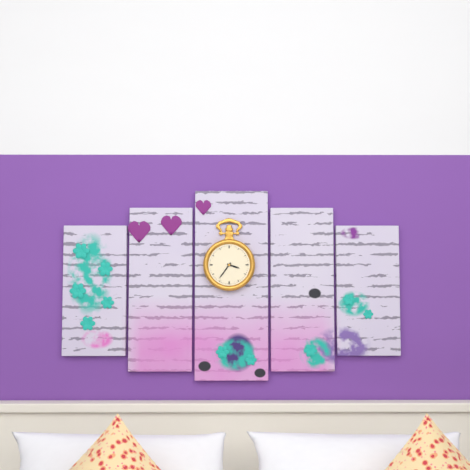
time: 3:36
